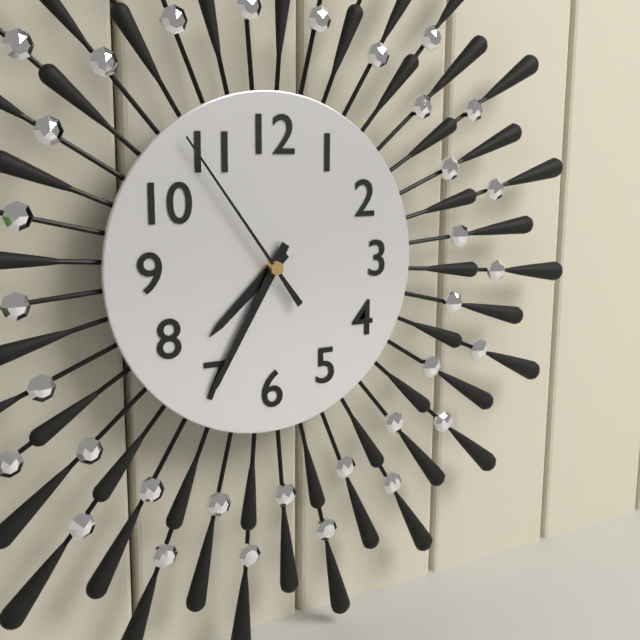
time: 7:35:54
